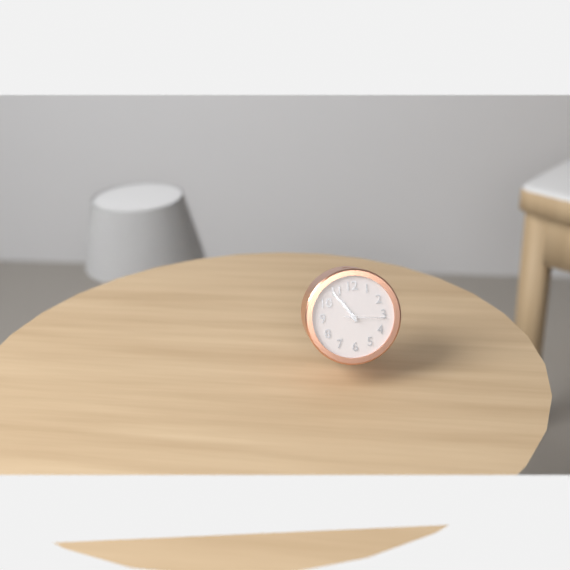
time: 10:54
